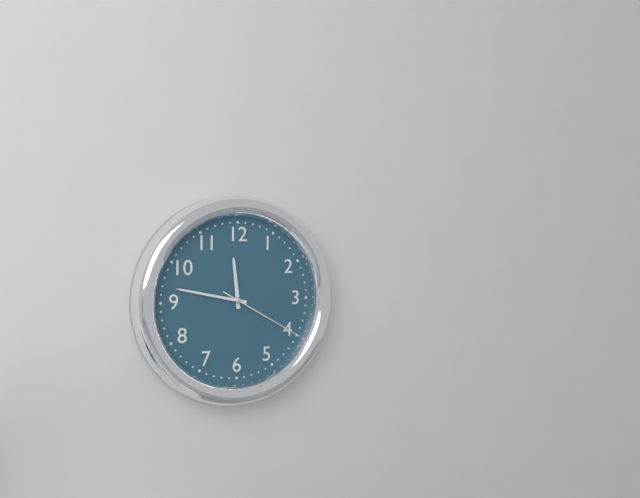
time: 11:47:20
